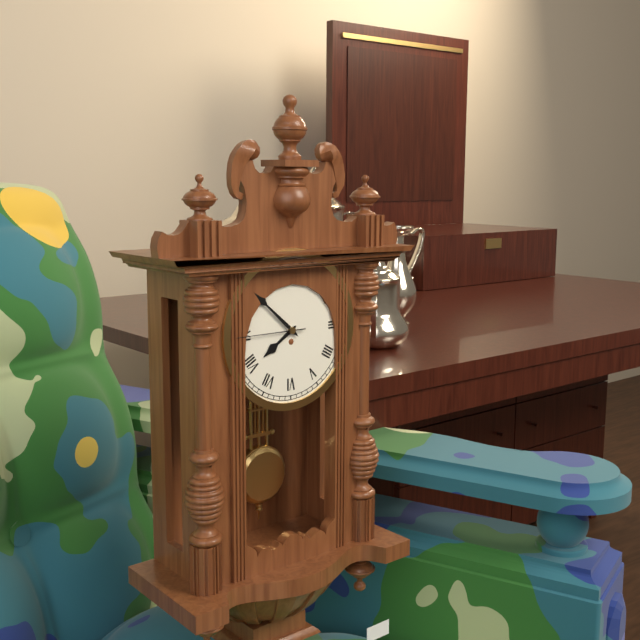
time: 7:52:45
